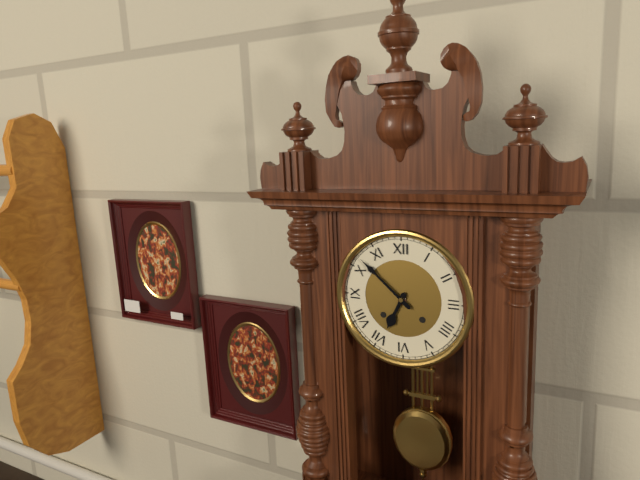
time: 6:52
